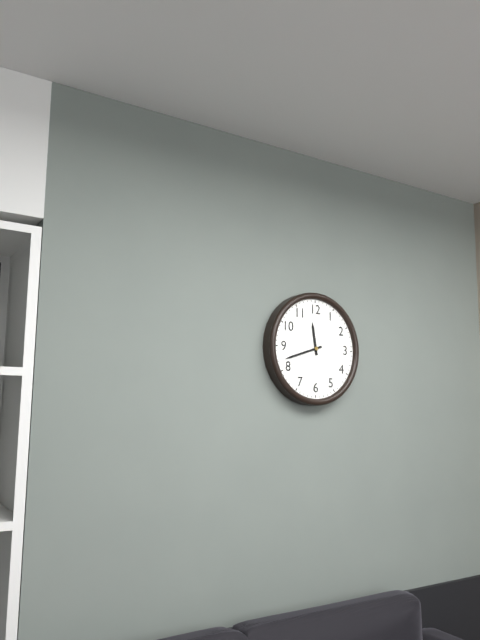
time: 11:42
